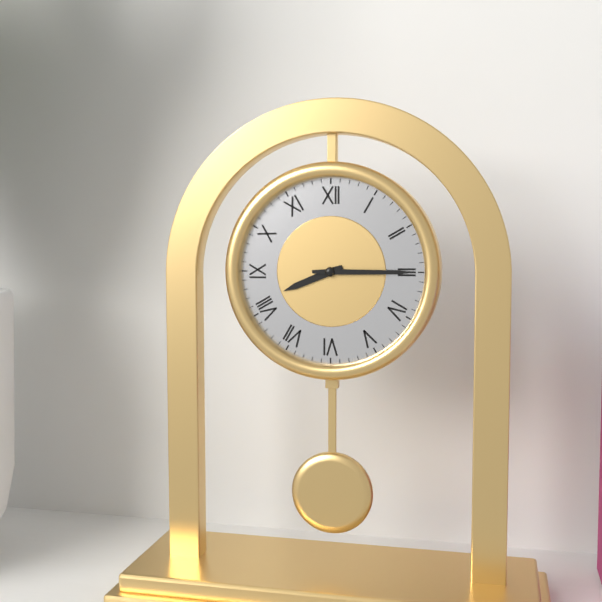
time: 8:15
